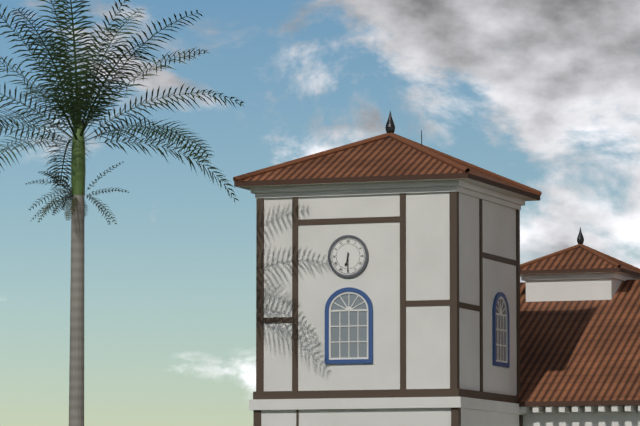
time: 6:30
